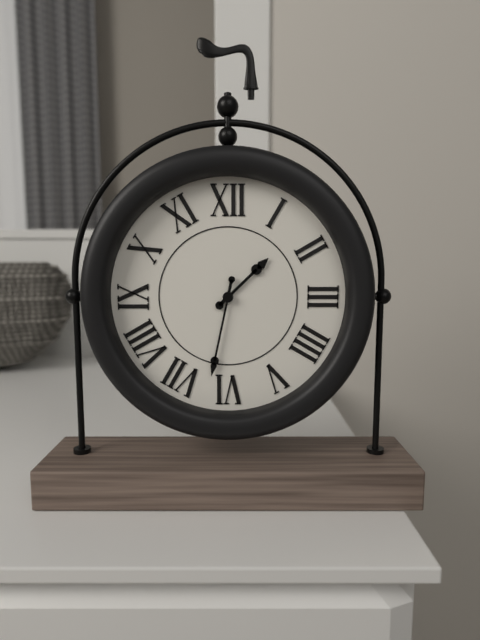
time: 1:32
